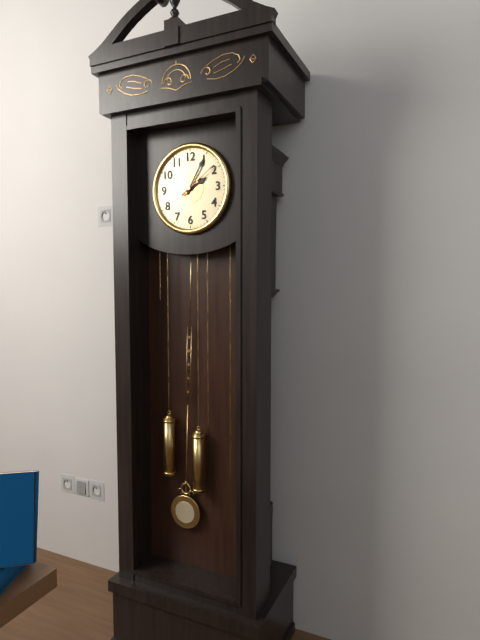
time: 2:05
